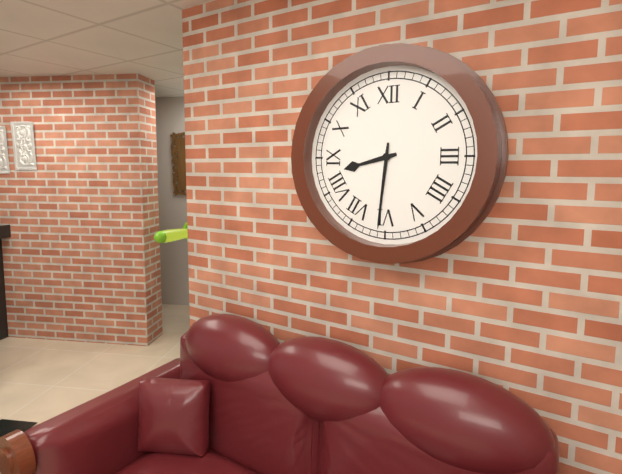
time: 8:31
